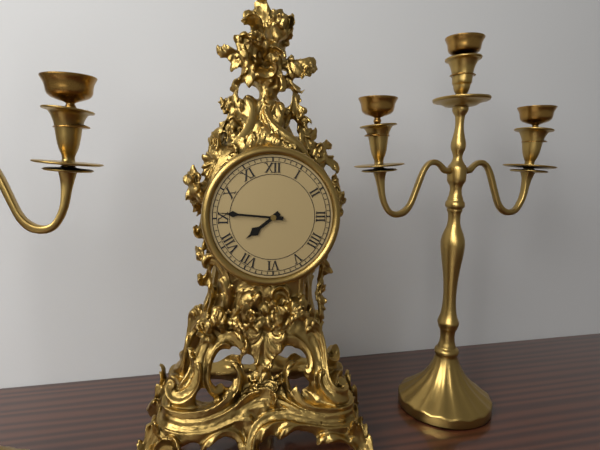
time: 7:46
